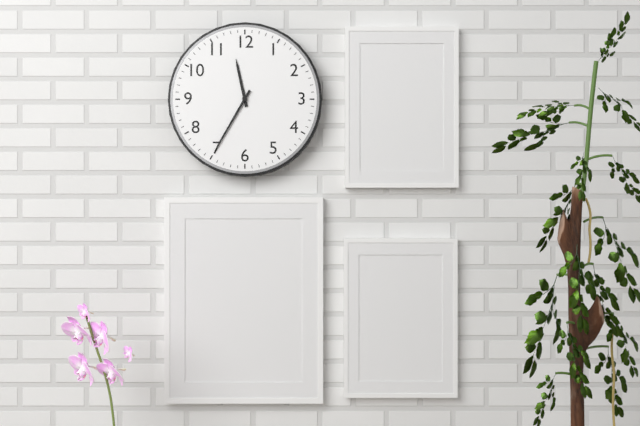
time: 11:35
